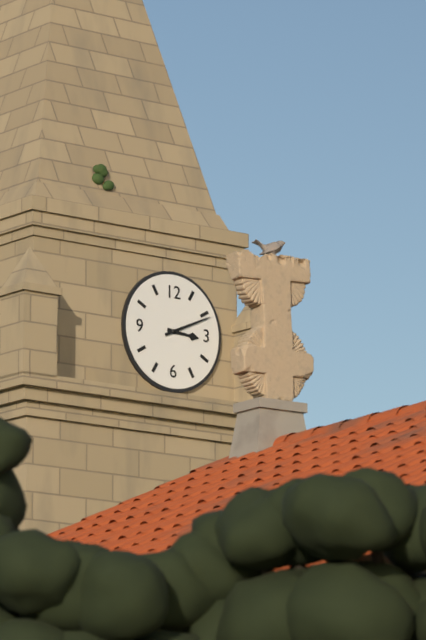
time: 3:11
